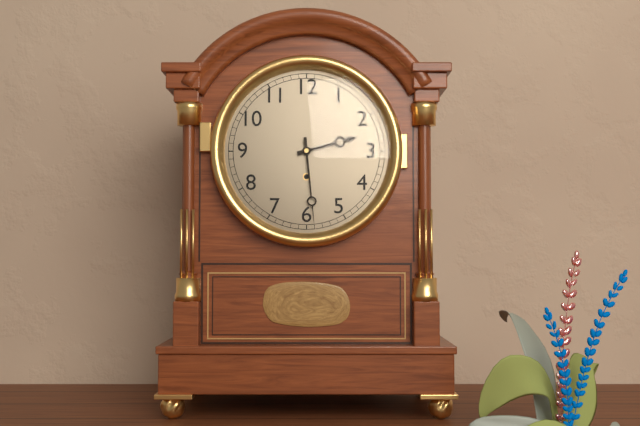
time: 2:29
